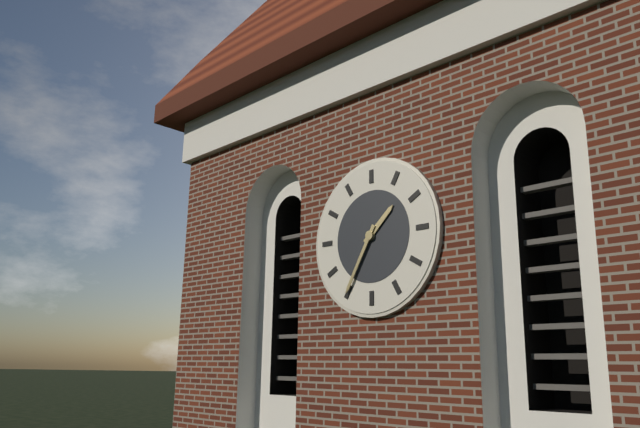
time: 1:35
